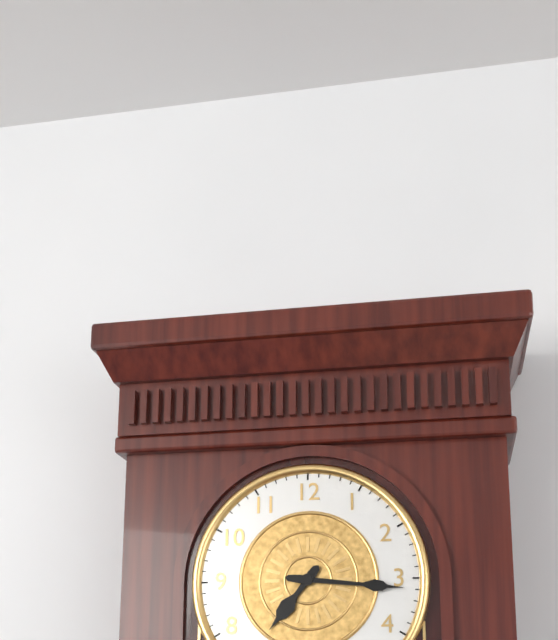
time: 7:16
